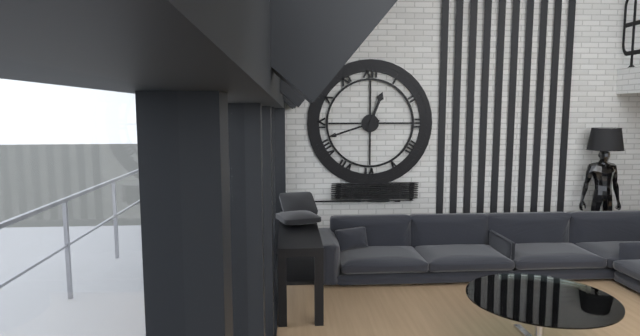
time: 12:42
